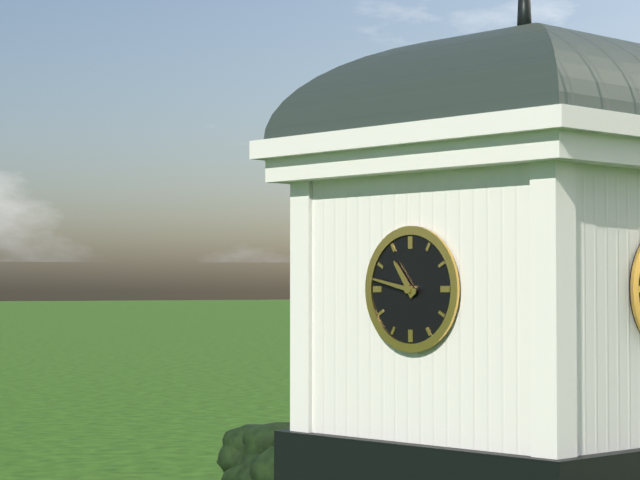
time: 10:47
